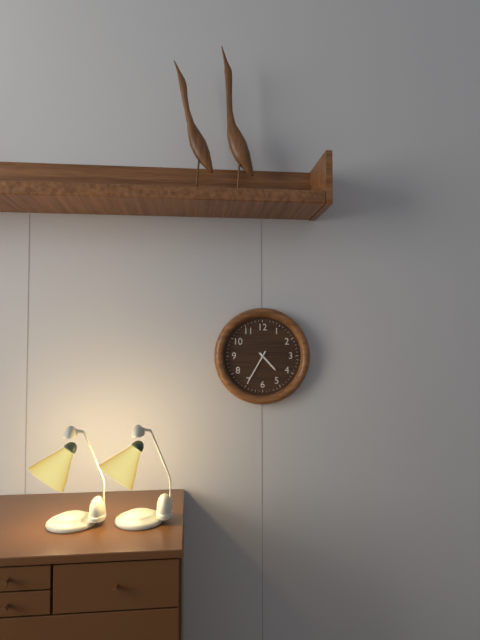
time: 4:35
